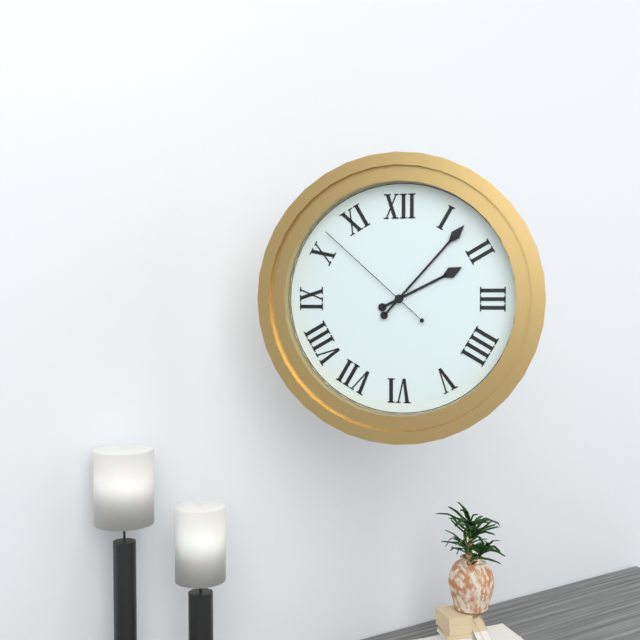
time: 2:07:52
